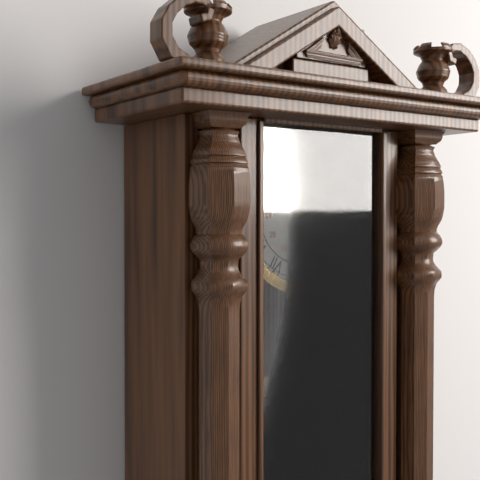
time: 5:28
